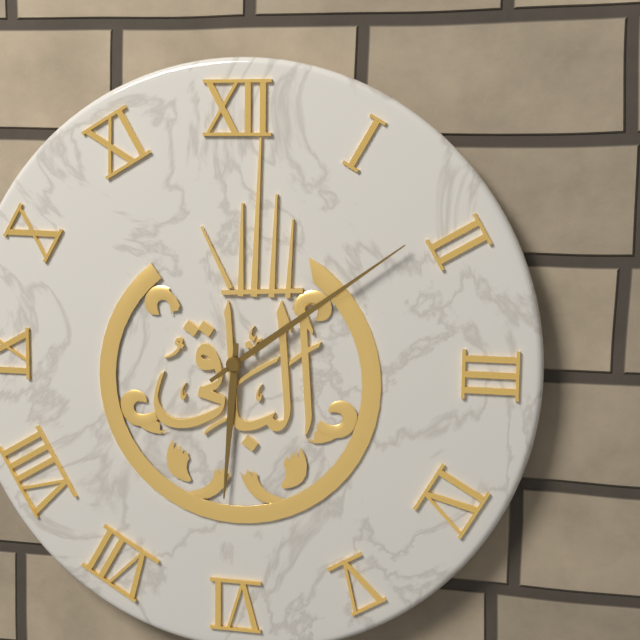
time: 6:09
